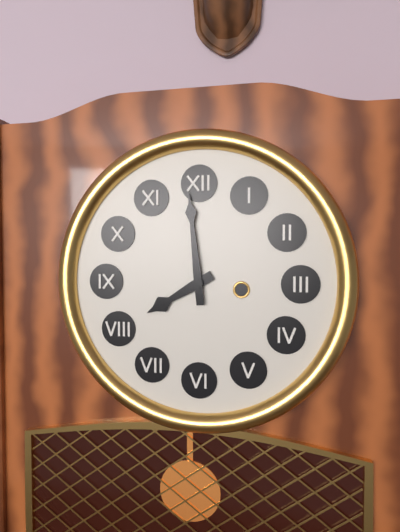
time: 7:59
